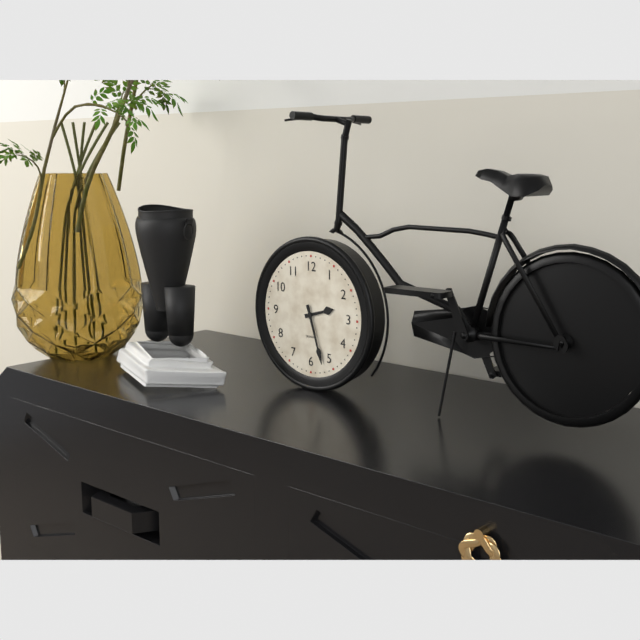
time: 2:27
